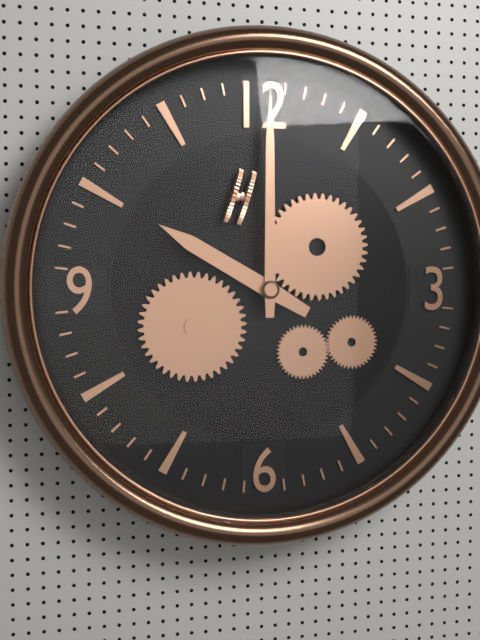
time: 10:00
